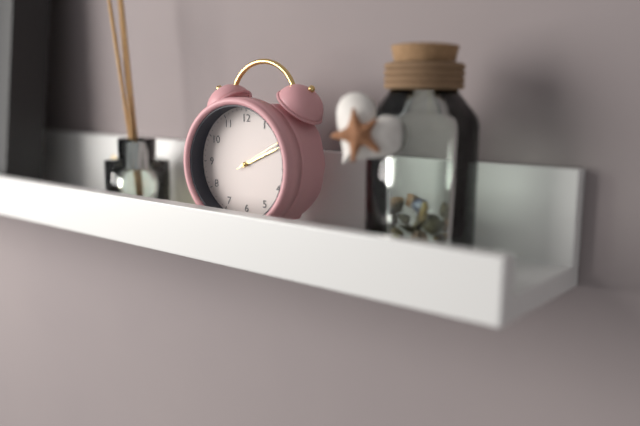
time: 2:11:10
